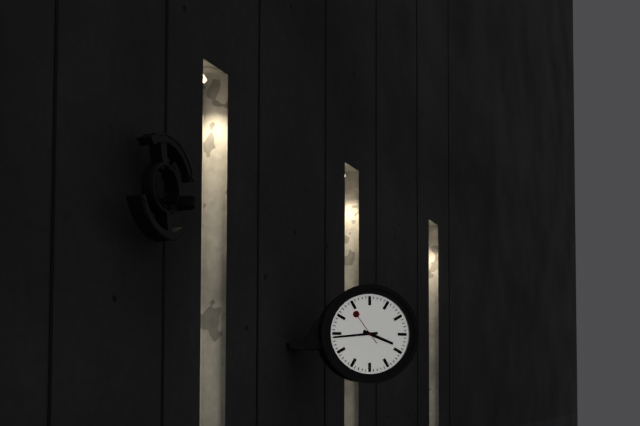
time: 3:44
